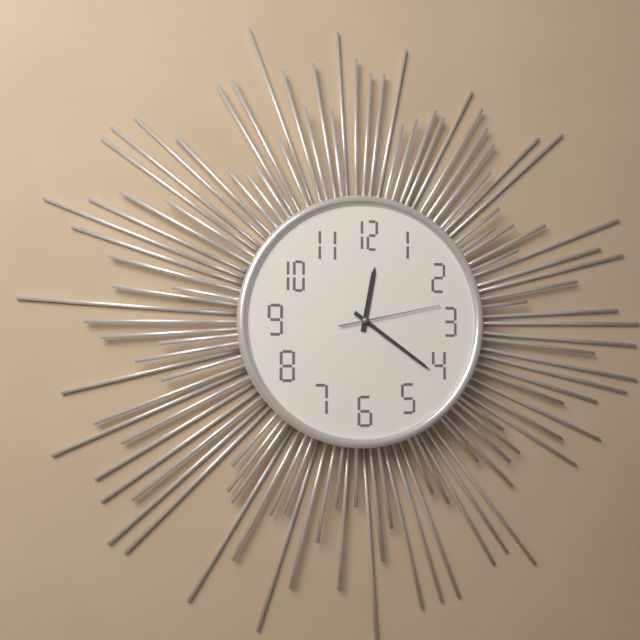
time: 12:21:13
